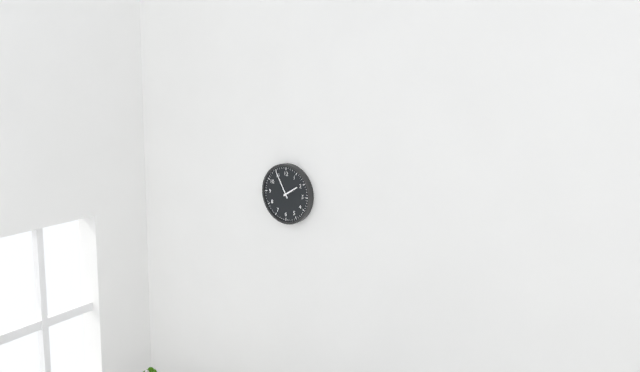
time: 1:55
